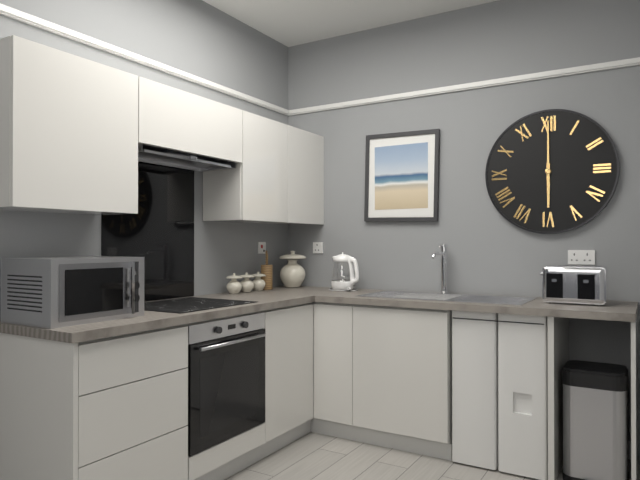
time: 6:00
